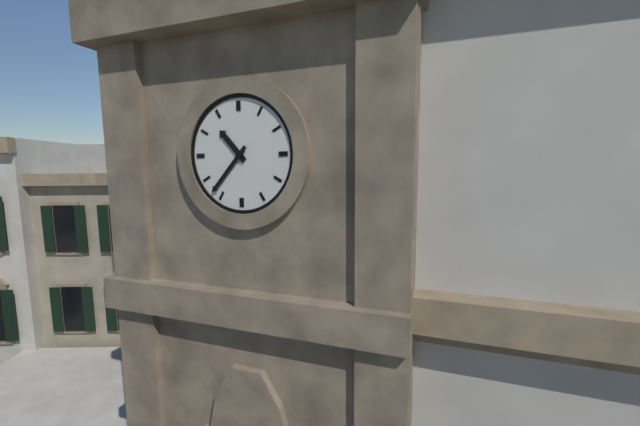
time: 10:37
